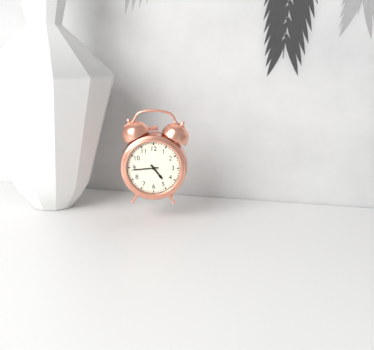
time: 4:44
